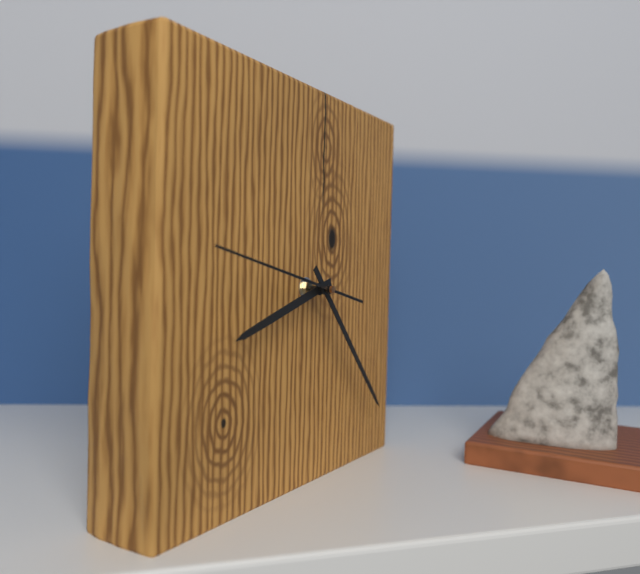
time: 8:23:47
